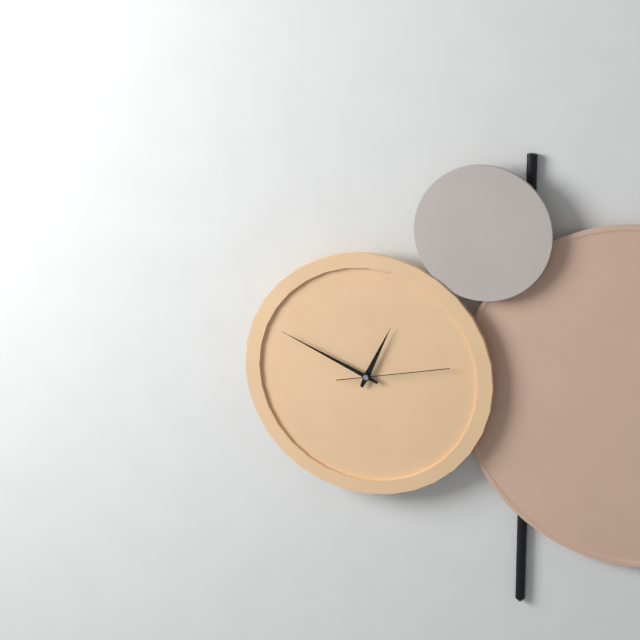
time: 12:49:13
